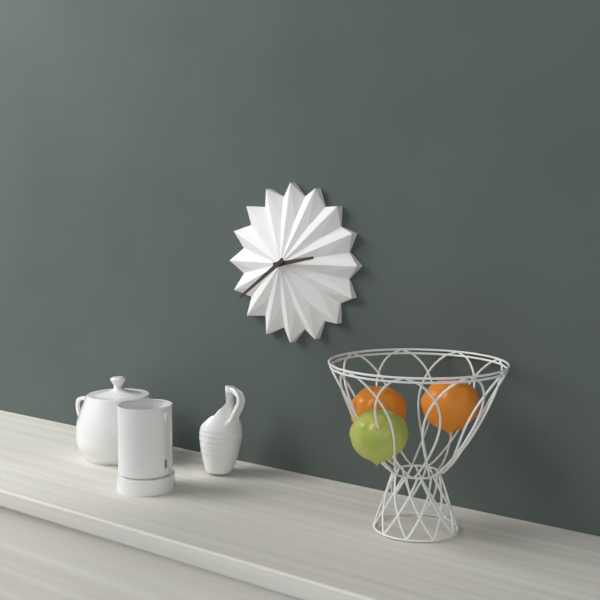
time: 2:39
